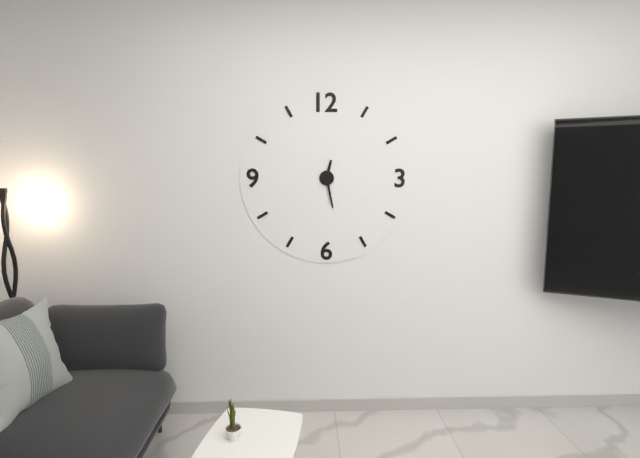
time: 12:28
